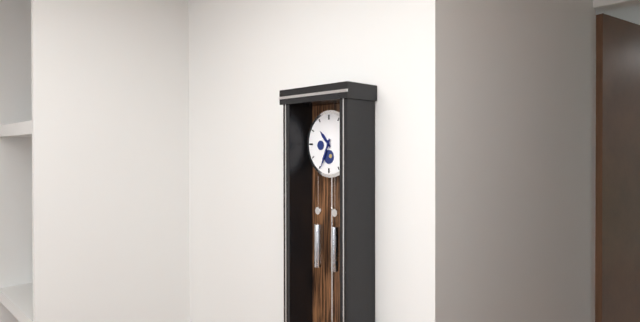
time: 10:34
